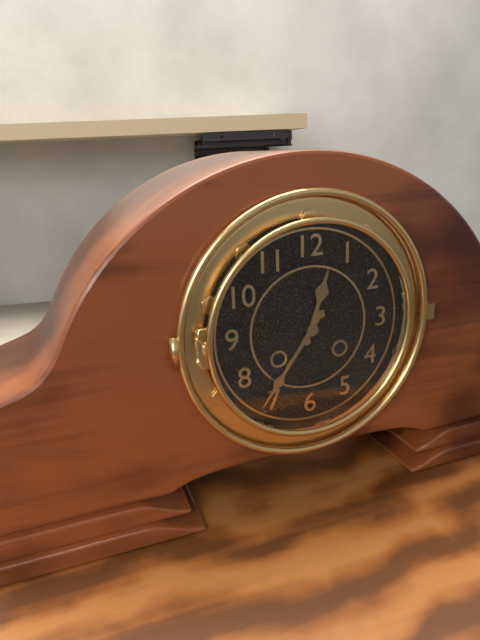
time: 12:36
